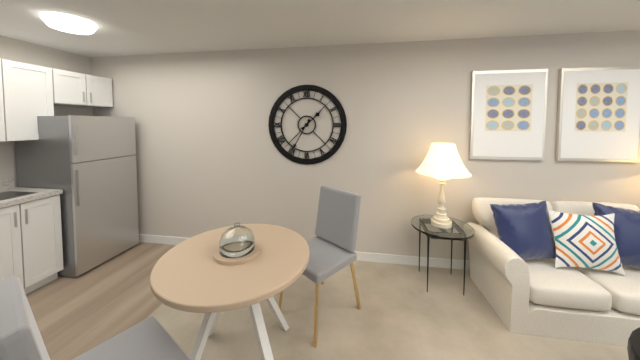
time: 1:35
